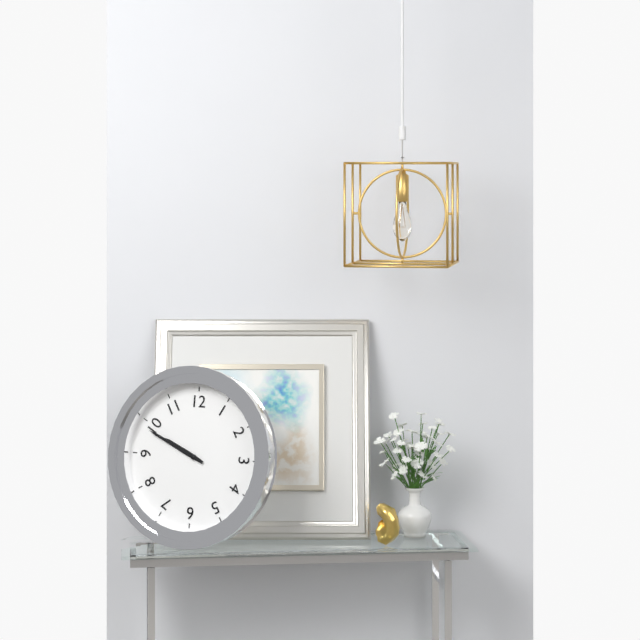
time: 9:49
